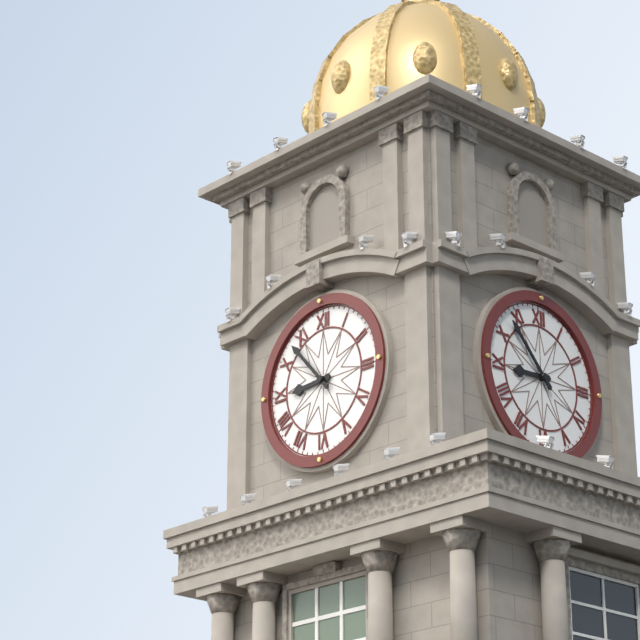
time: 8:53
